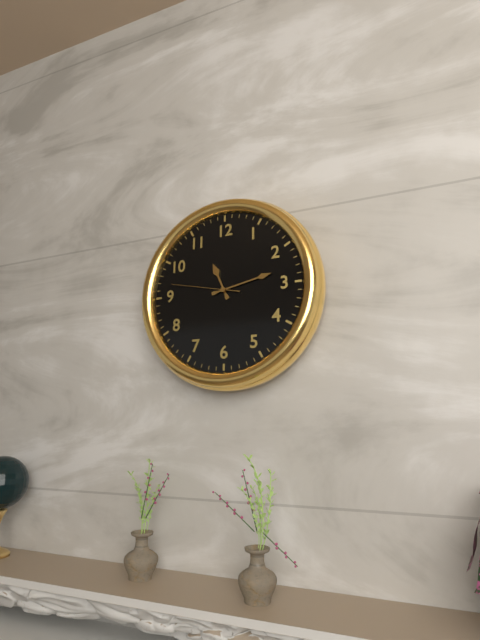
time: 11:13:47
